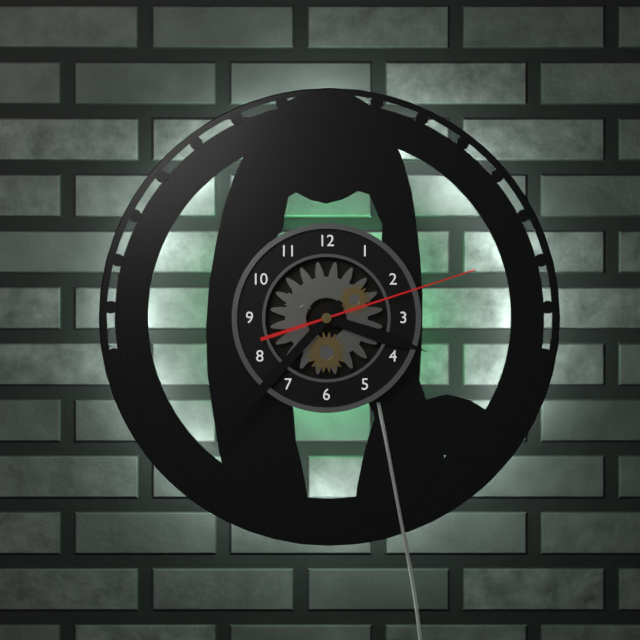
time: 3:37:12
